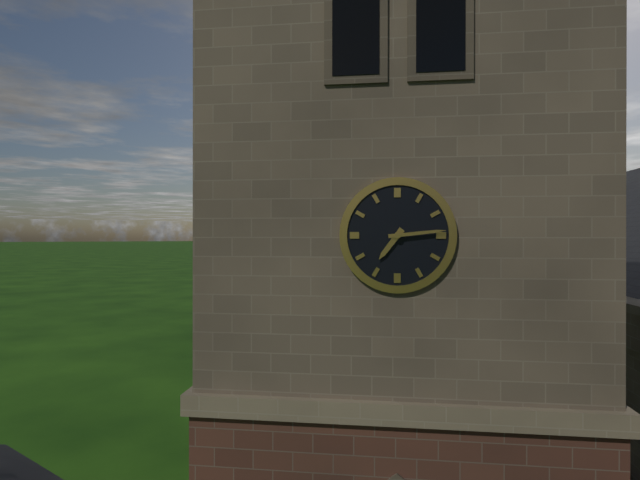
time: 7:14
